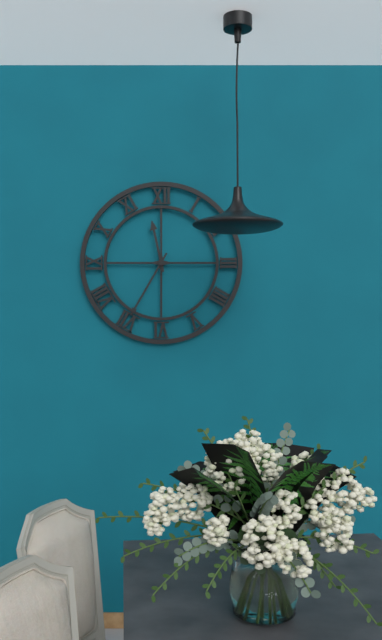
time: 11:35
